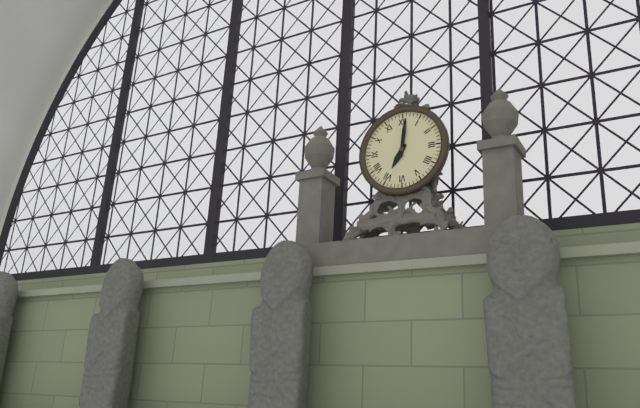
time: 7:01
